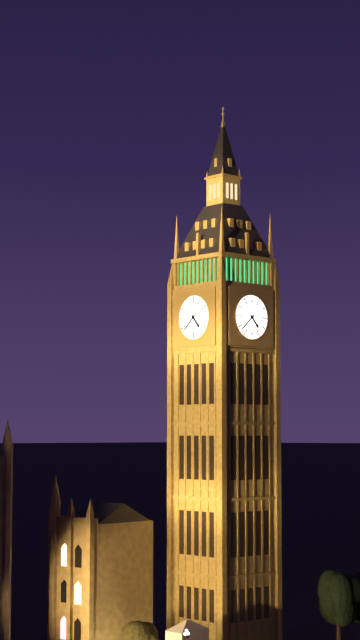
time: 4:38
